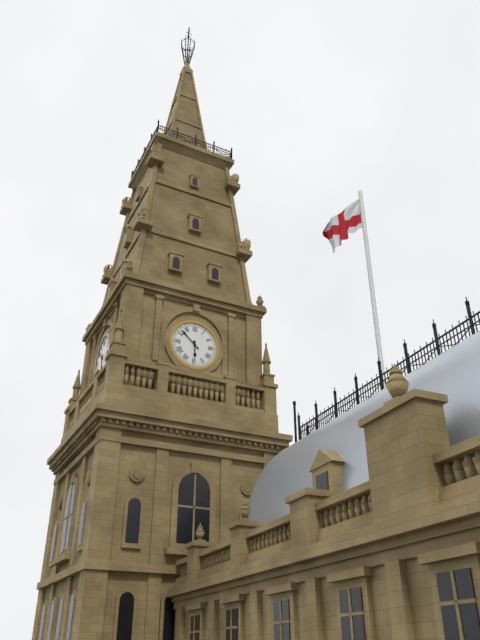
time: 5:52
